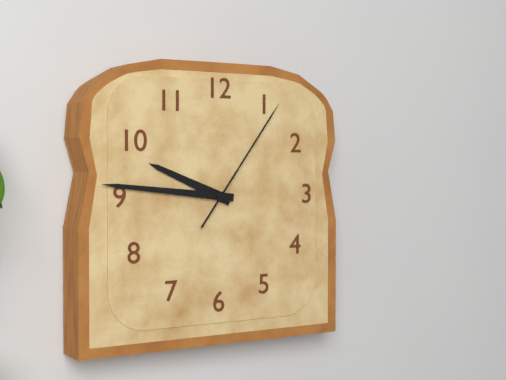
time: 9:46:06
